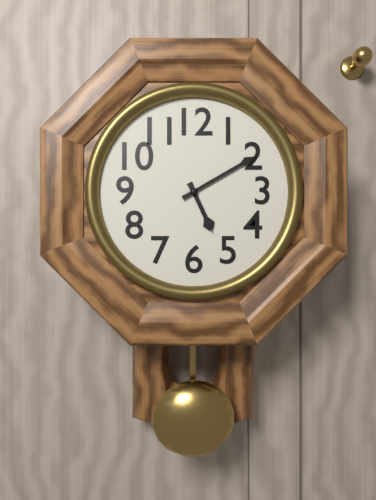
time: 5:10
